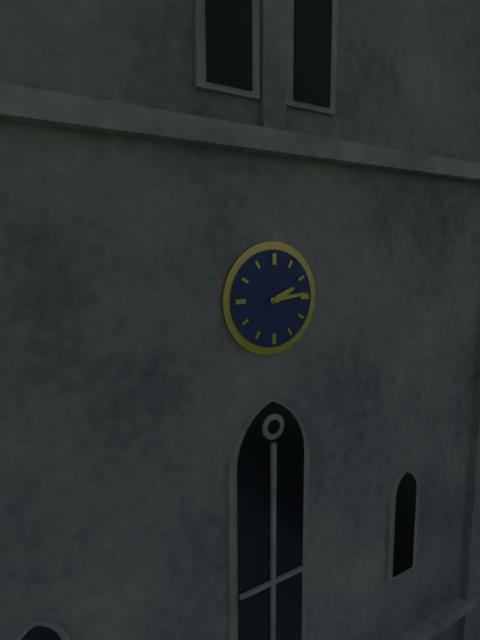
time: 2:14
